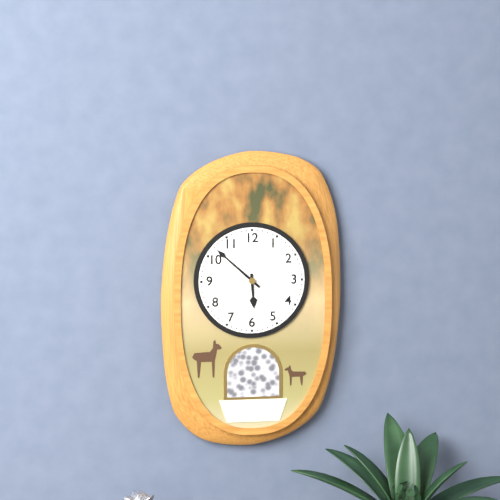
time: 5:52
